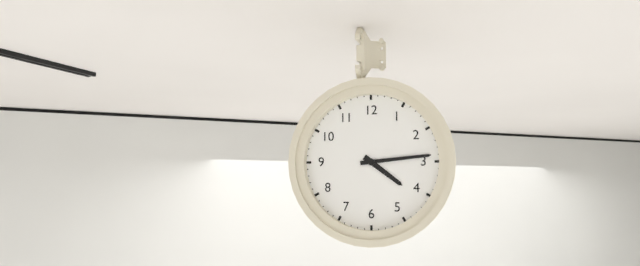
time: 4:14
